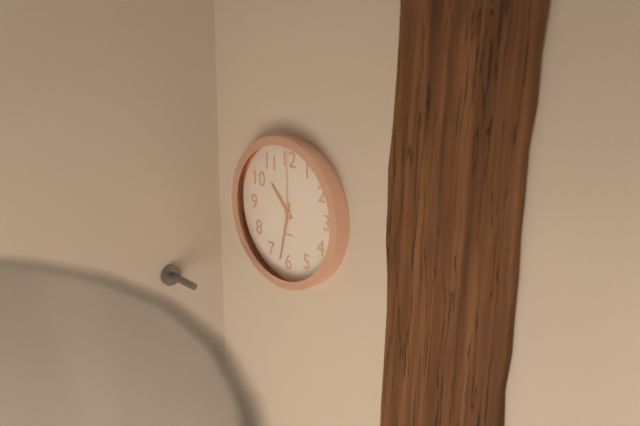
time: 10:32:00
